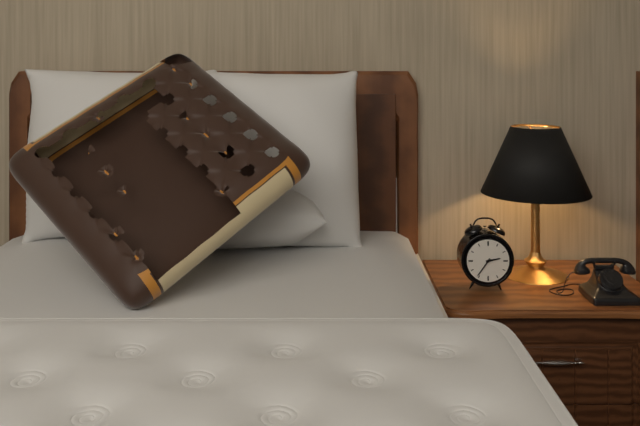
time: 2:36
